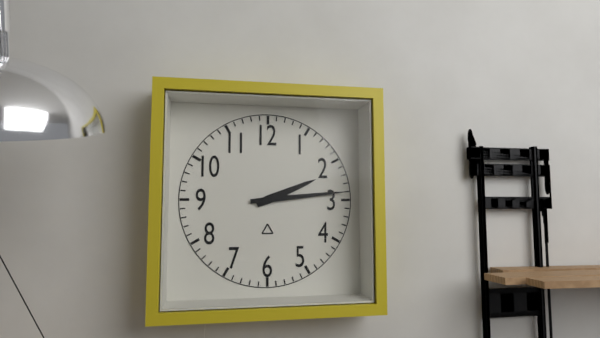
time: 2:14
